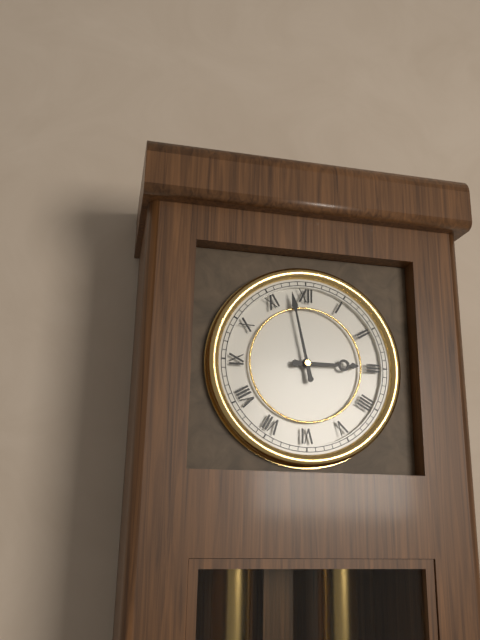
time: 2:58
